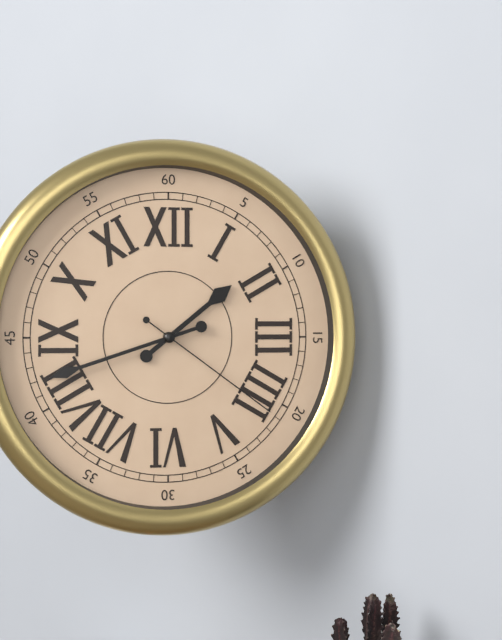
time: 1:42:21
